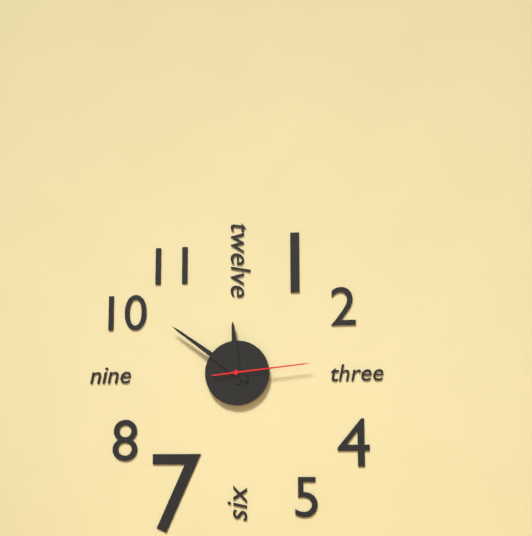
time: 11:51:14
